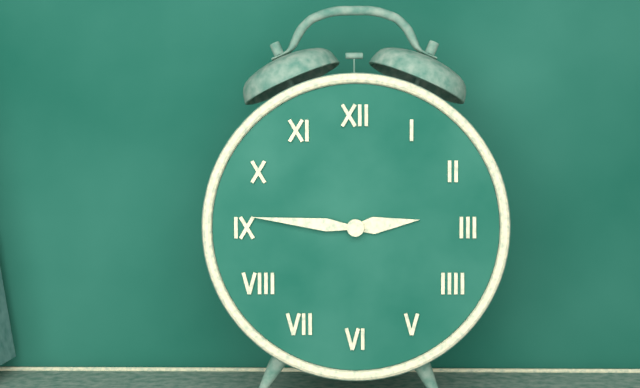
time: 2:46
